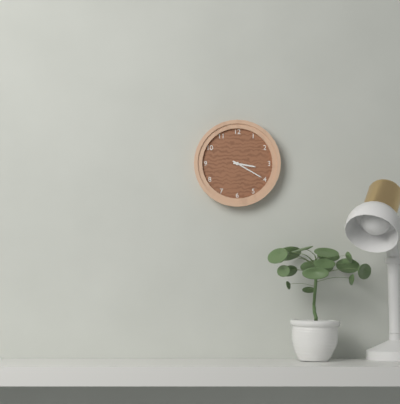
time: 3:20
